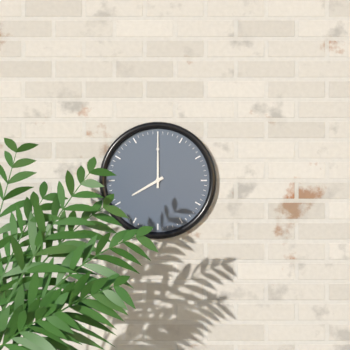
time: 8:00
